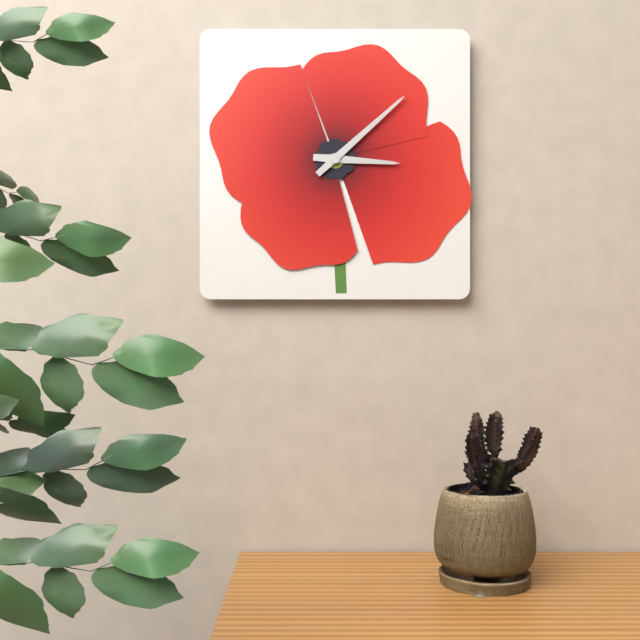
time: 3:08
